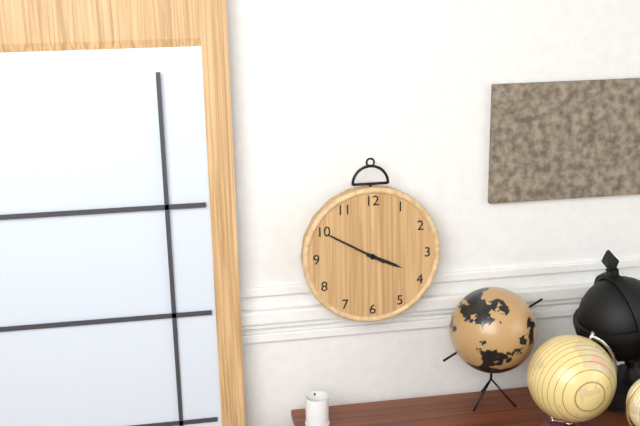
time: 3:50
